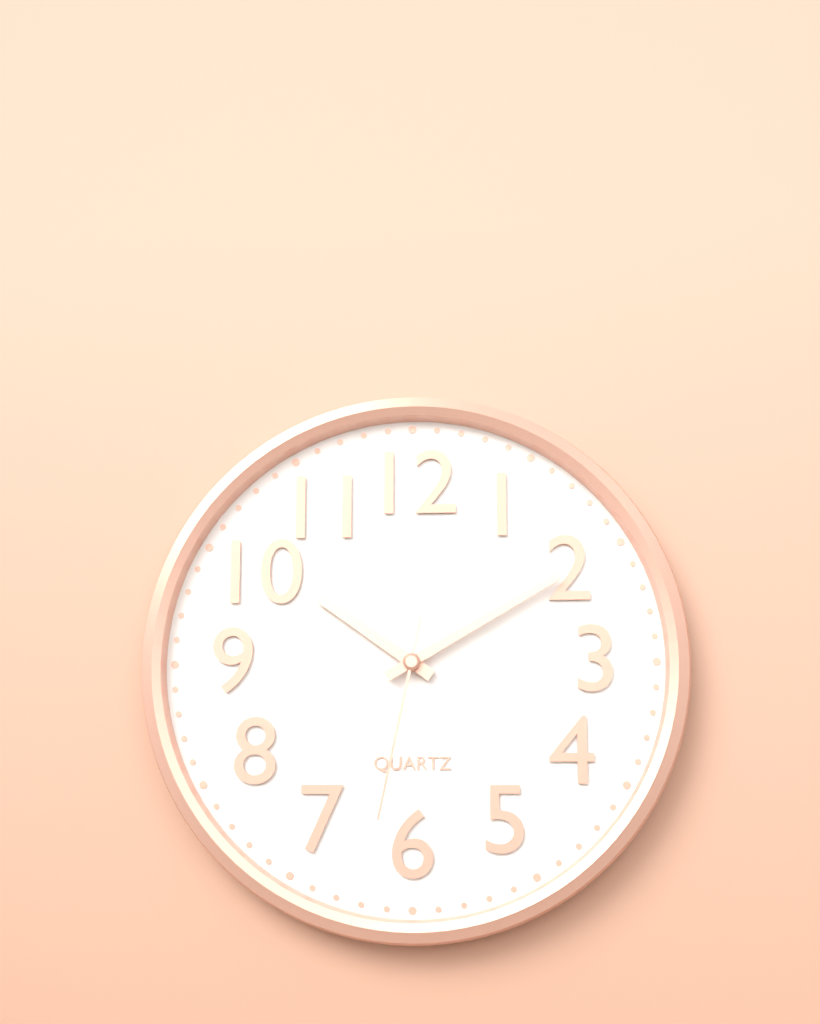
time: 10:10:32
